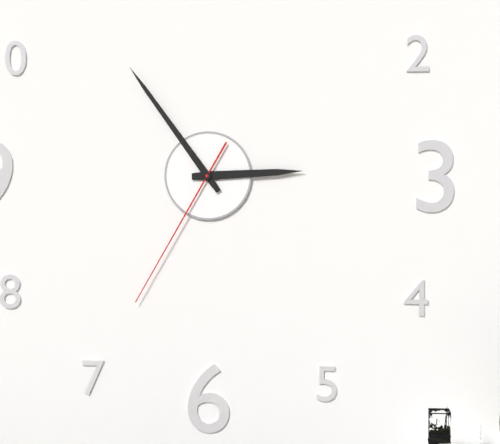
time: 2:54:35
